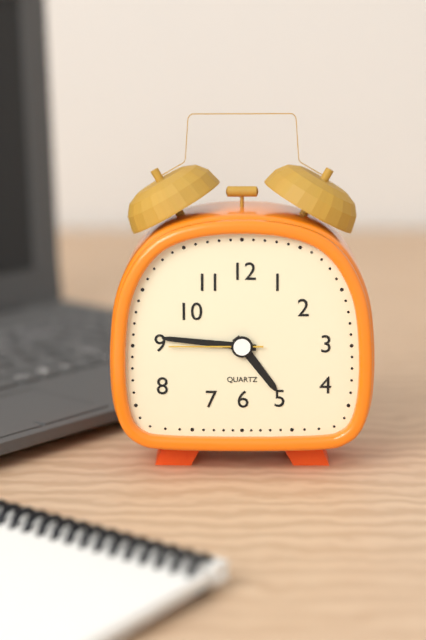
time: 4:46:45
